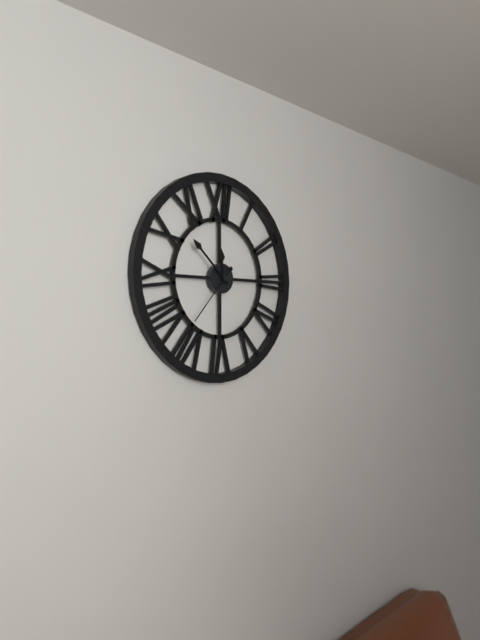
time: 11:52:37
